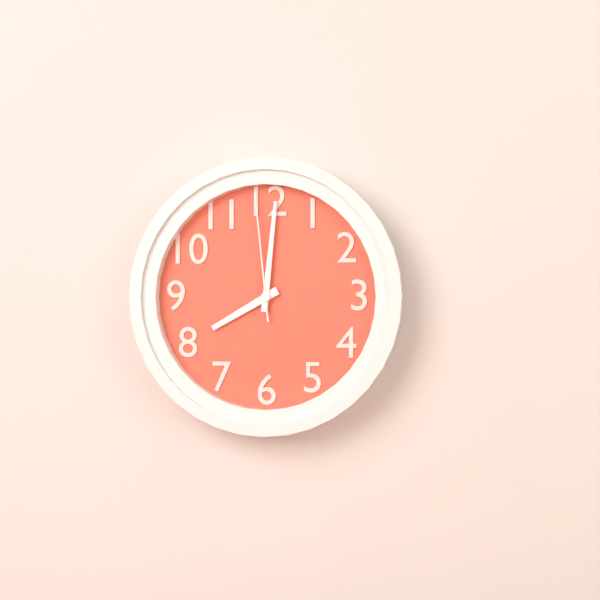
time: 8:01:59
